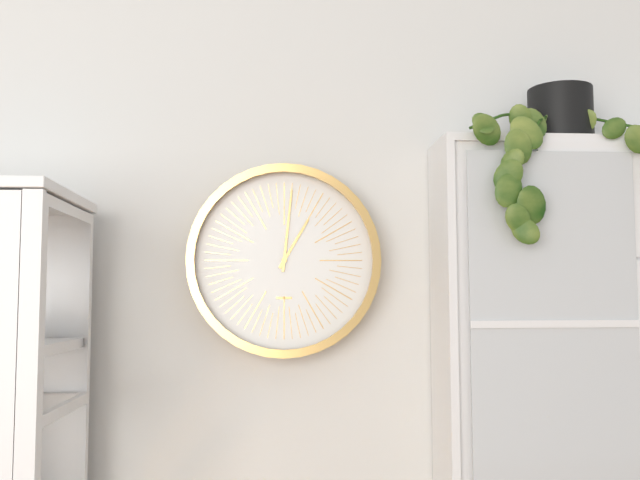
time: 1:01
